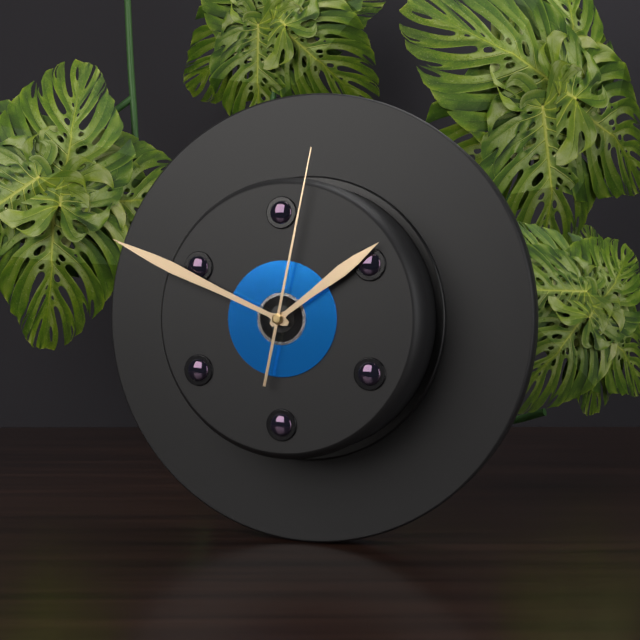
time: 1:49:02
